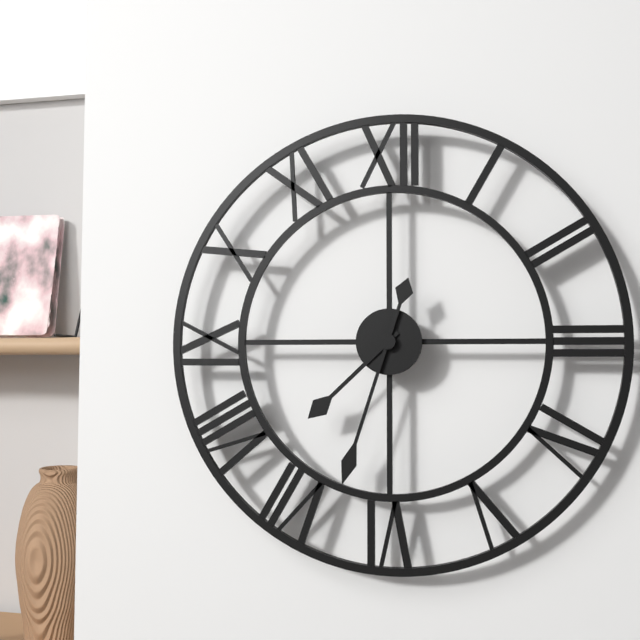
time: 7:33
